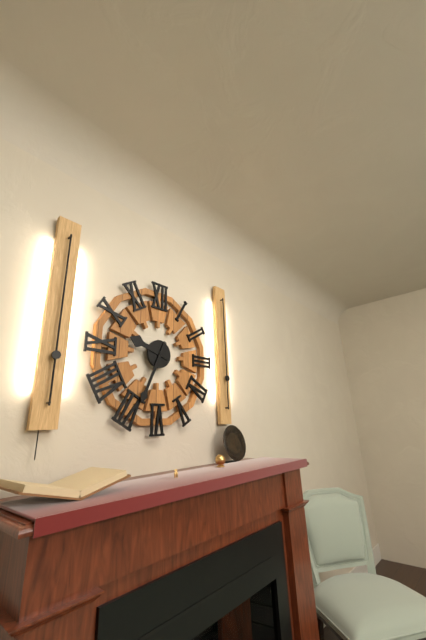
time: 9:34
